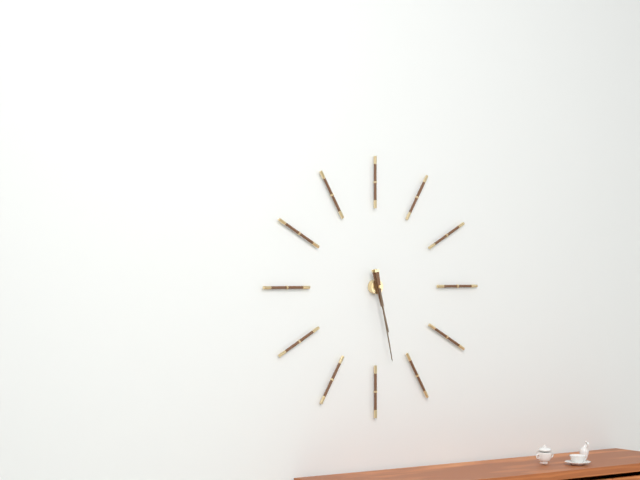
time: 5:28
